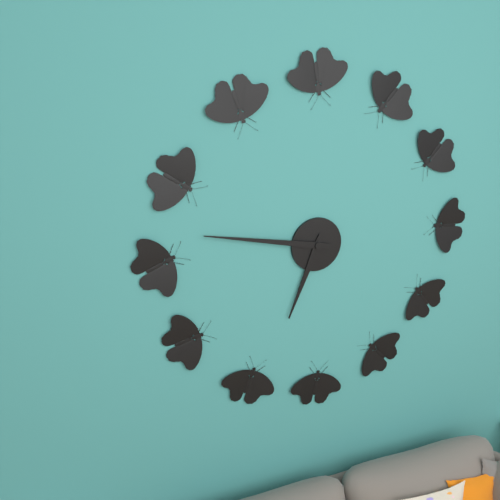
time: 6:47
